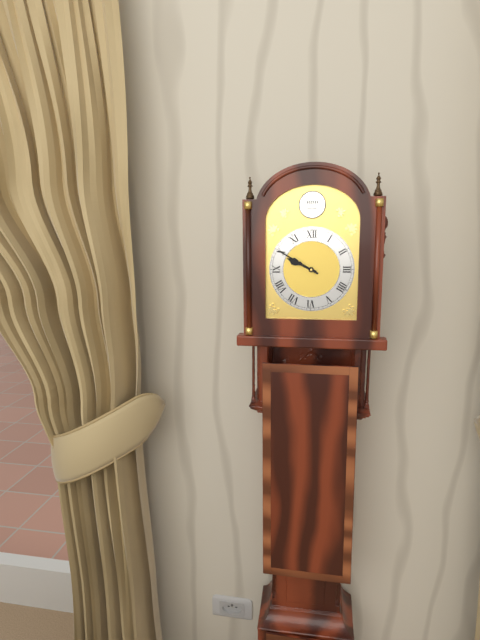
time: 9:50
